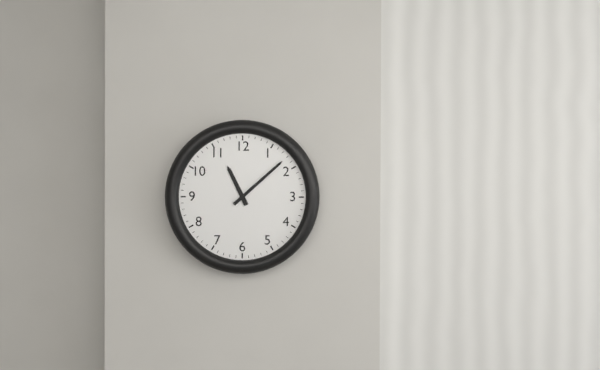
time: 11:08
